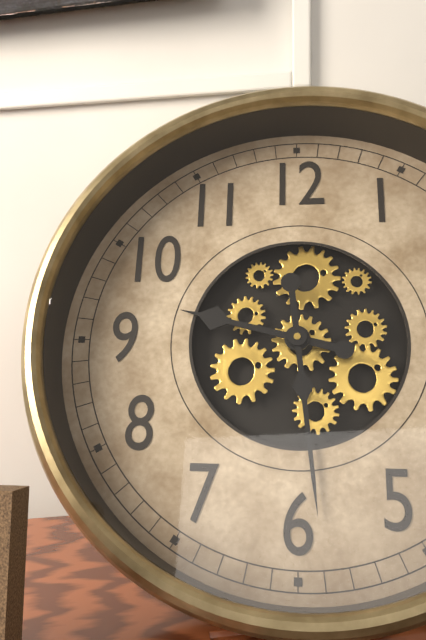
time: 9:29
